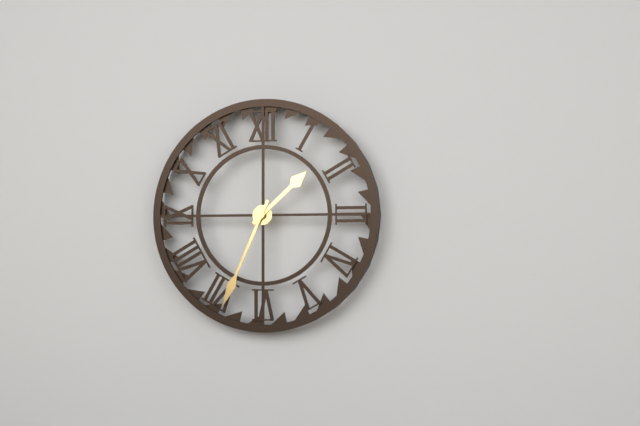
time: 1:34
